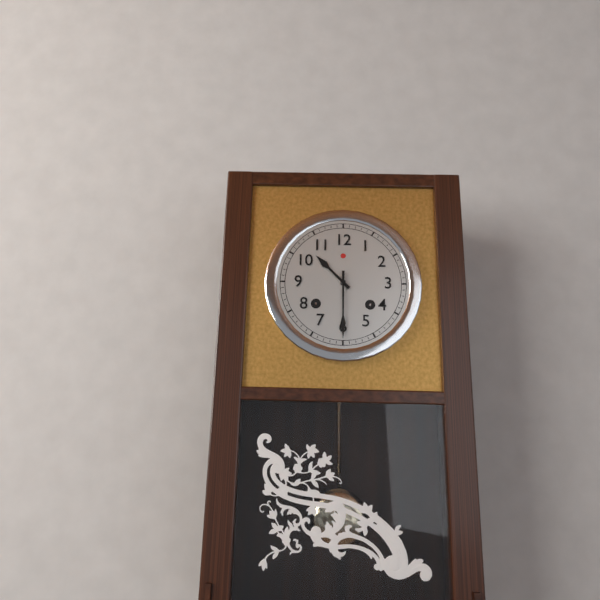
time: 10:30
